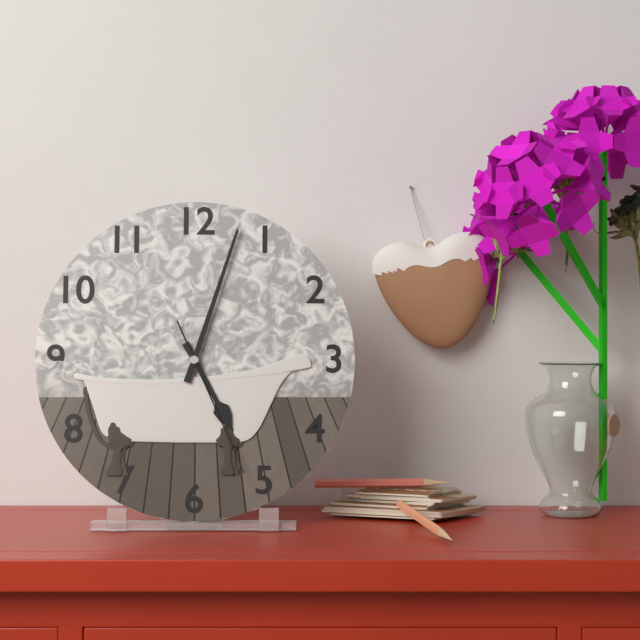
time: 5:03:26
